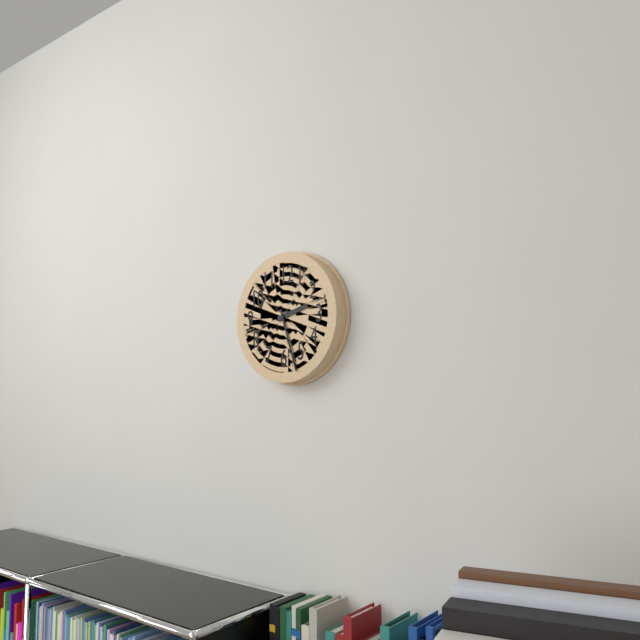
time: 2:27
